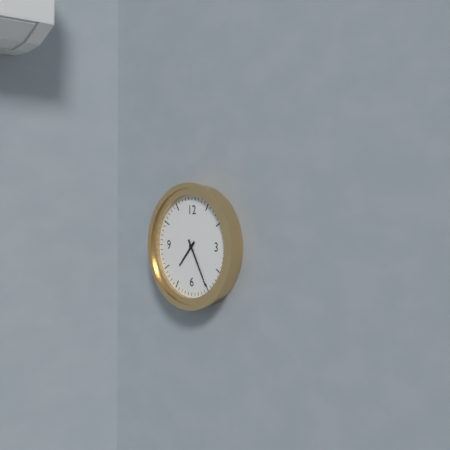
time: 7:25
